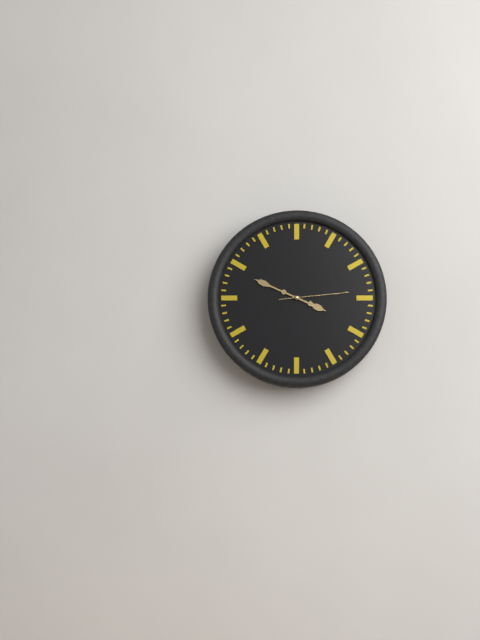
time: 3:49:14
